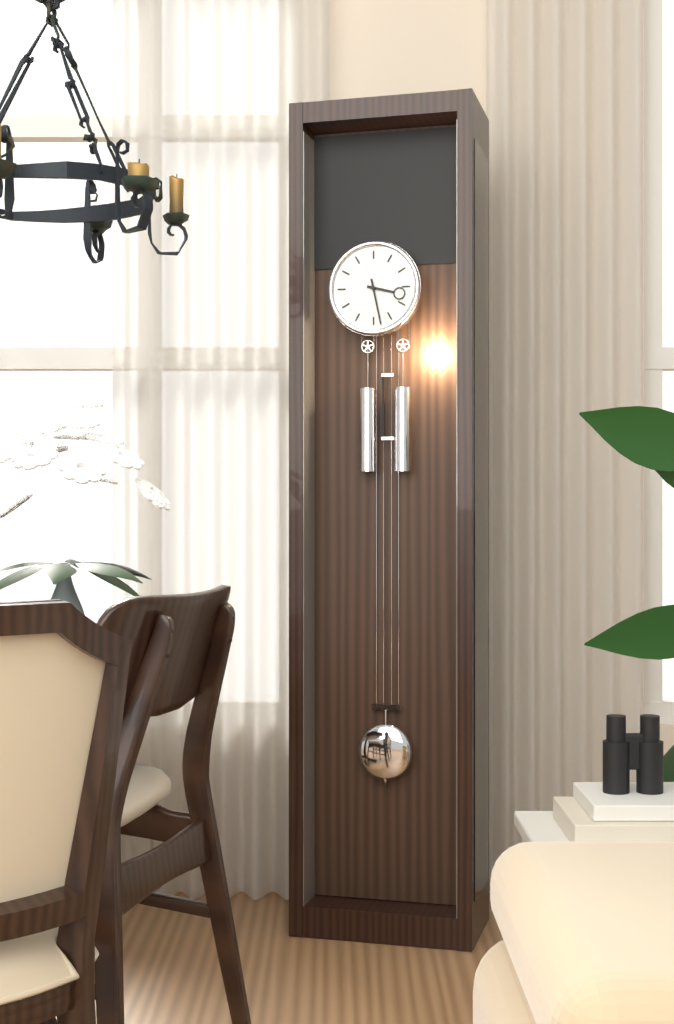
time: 3:28
